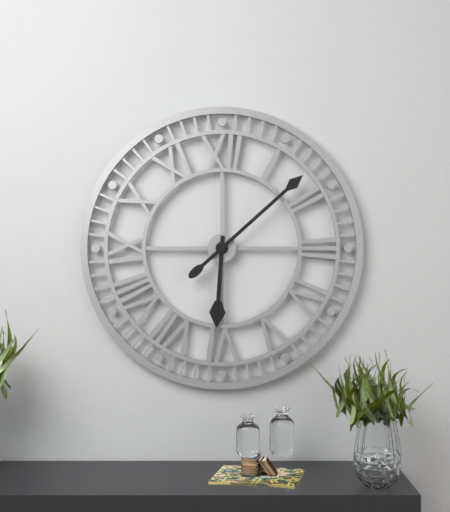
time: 6:08
